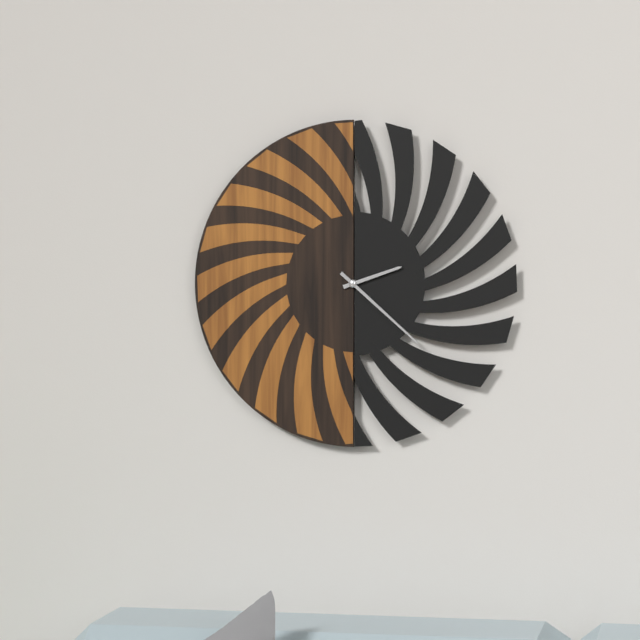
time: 2:22
